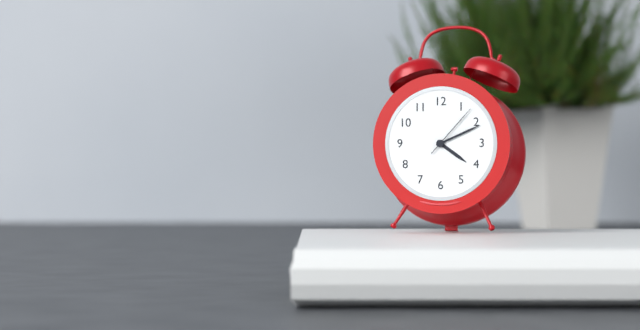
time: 4:11:07
